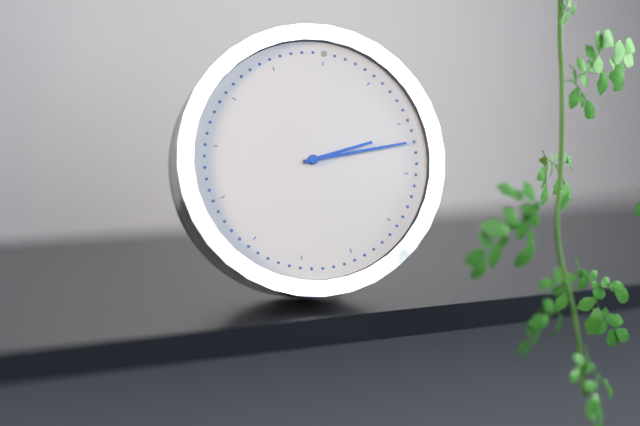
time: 2:12
